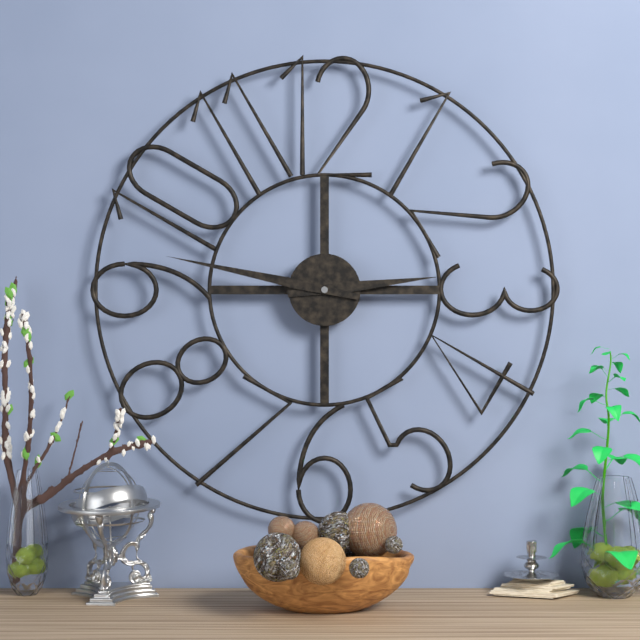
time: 2:47
